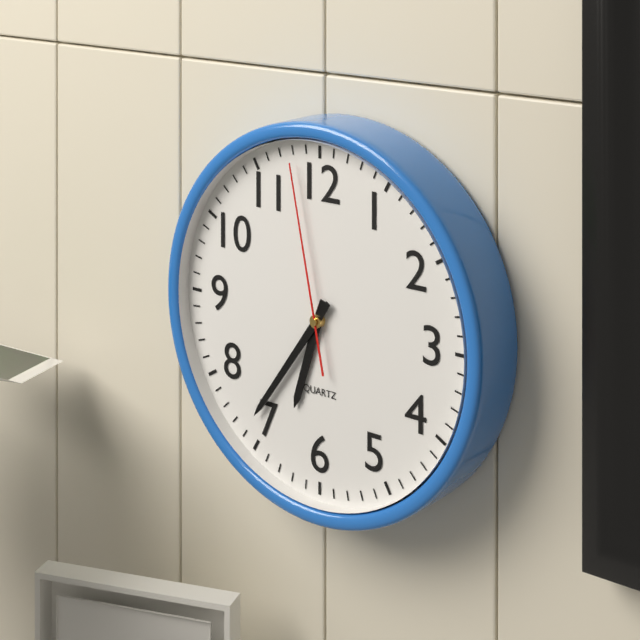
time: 6:36:58
